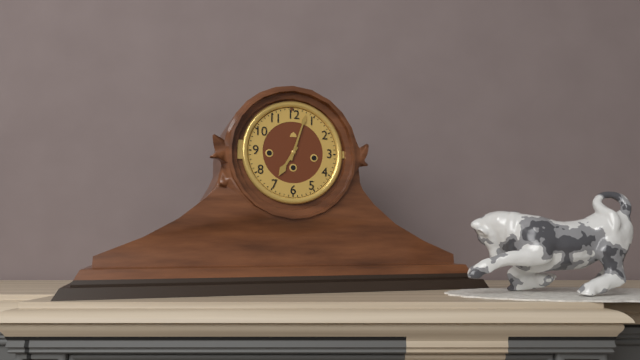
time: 7:03
